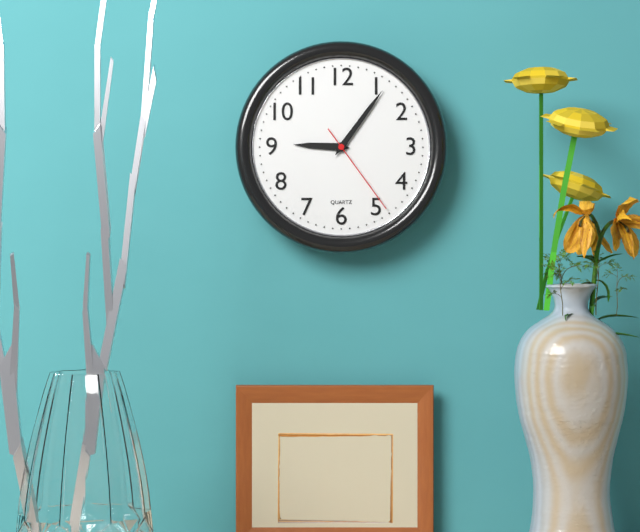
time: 9:06:24
